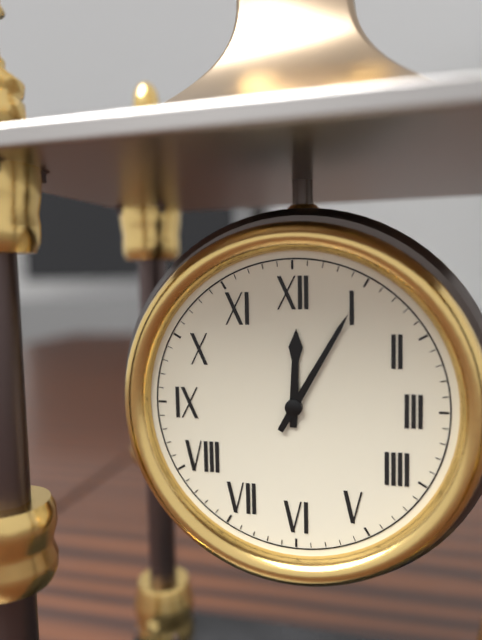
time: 12:05
